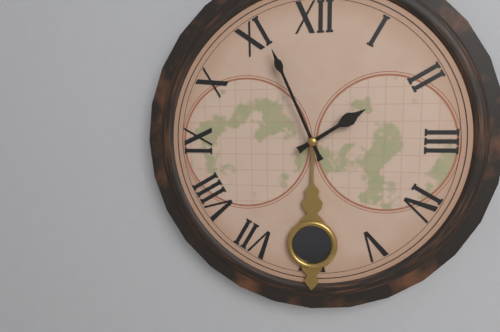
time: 1:56
